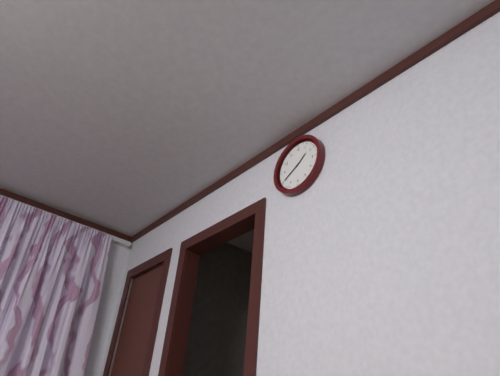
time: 1:40
